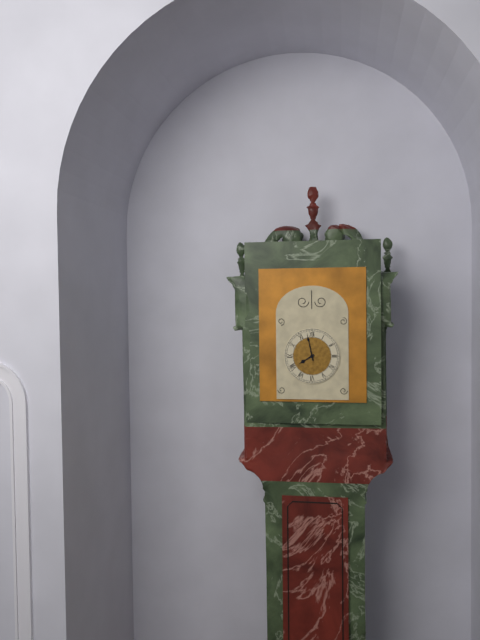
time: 7:58
